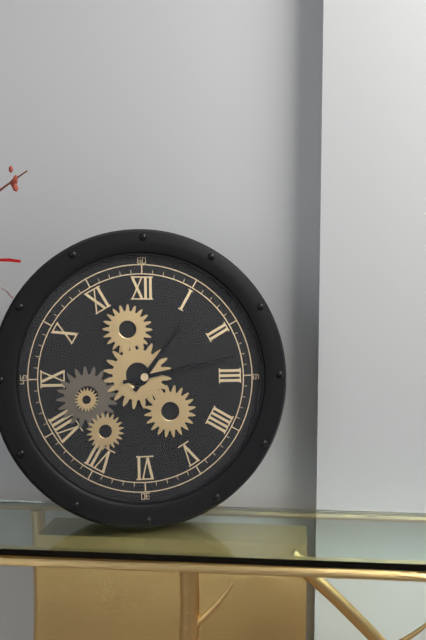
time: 1:13
